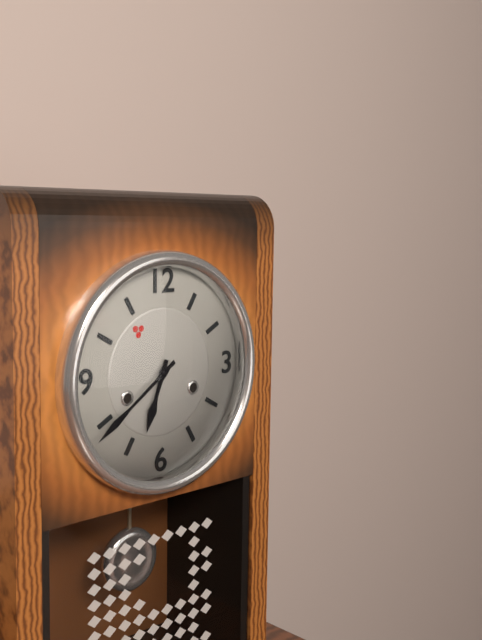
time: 6:39
